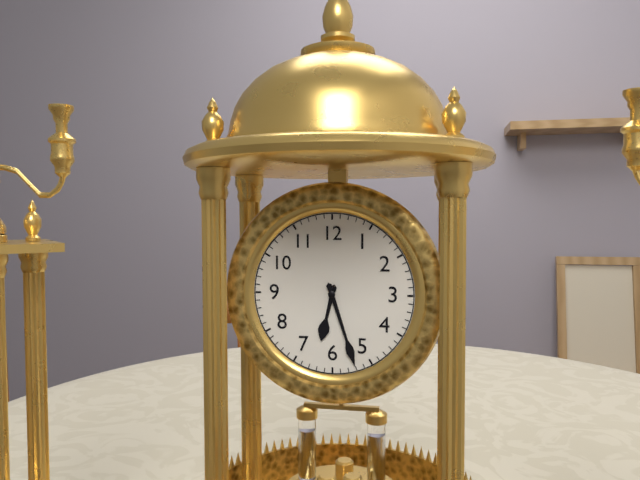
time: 6:27
